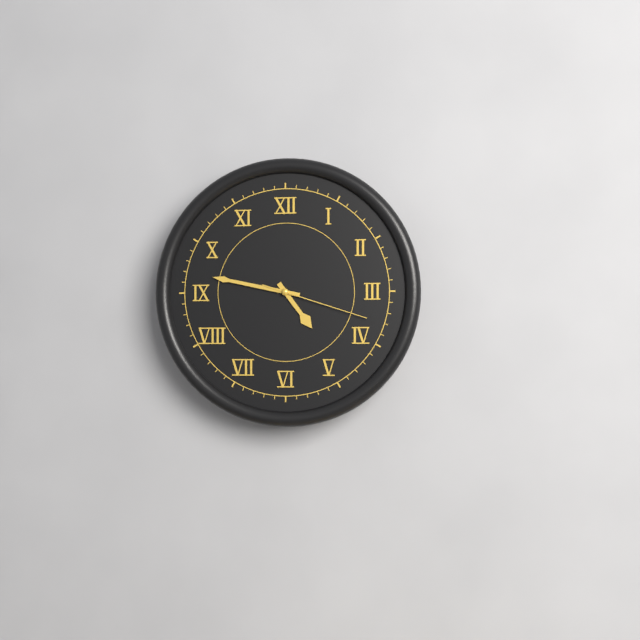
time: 4:47:18
